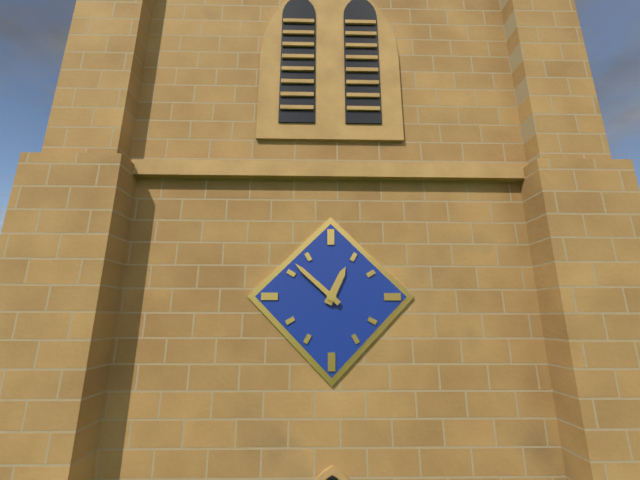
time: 12:52
